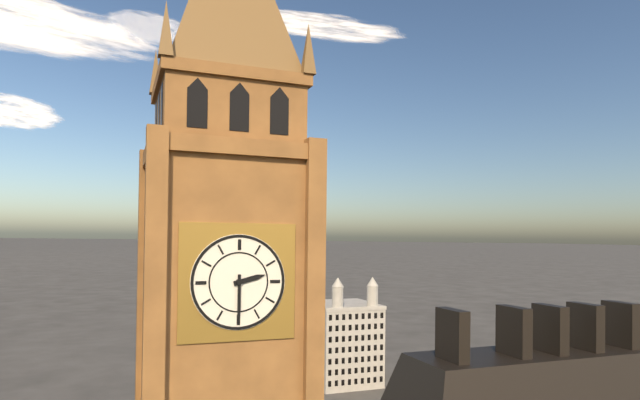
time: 2:30
